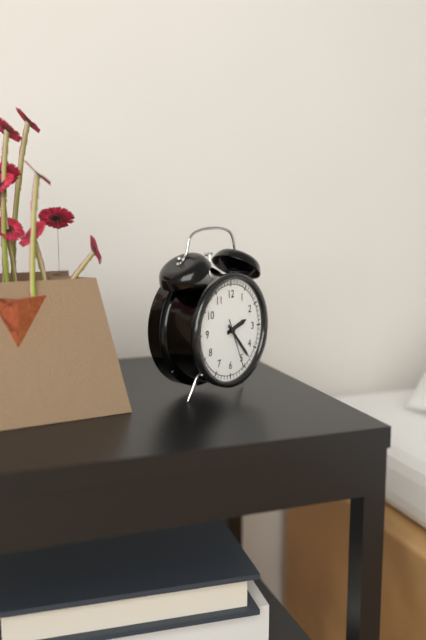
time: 2:23
